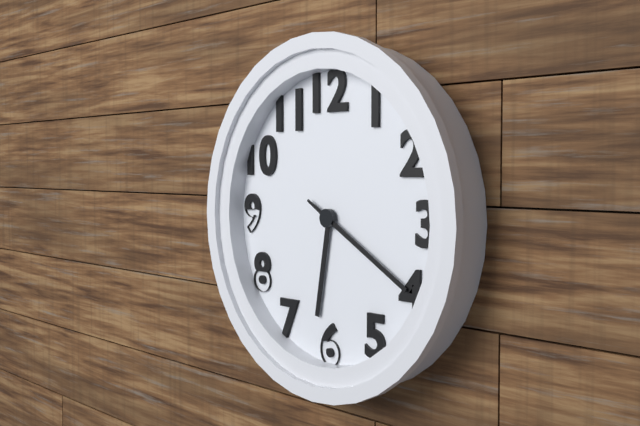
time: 6:20
